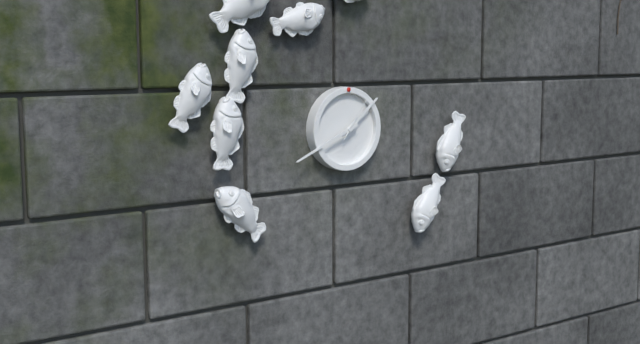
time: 1:41
